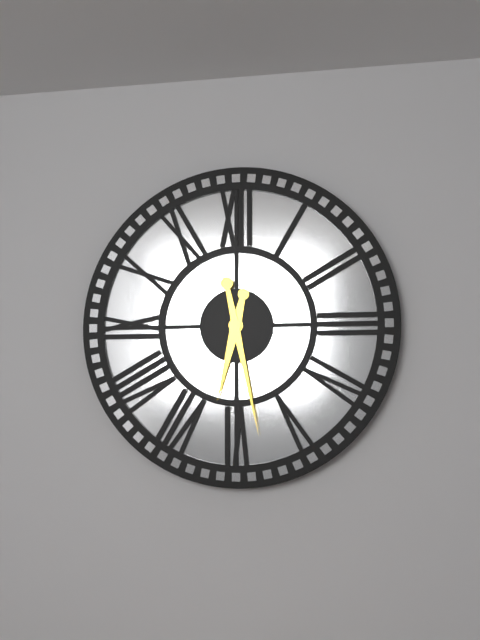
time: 6:28
